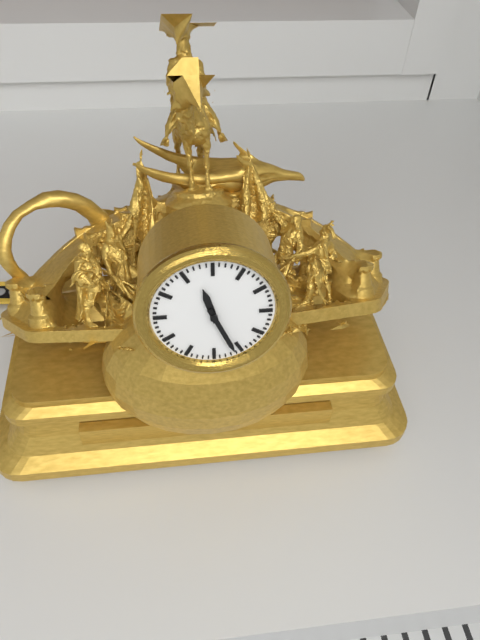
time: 11:26
